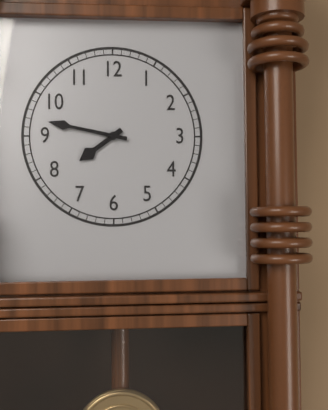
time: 7:47
